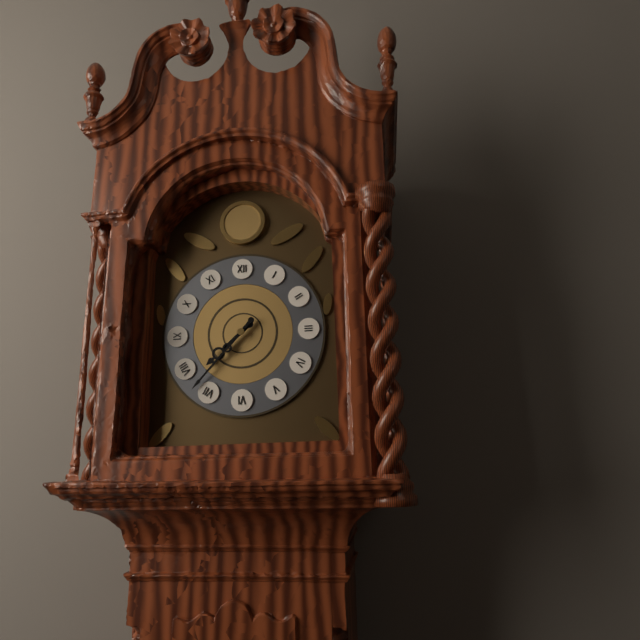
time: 7:37
